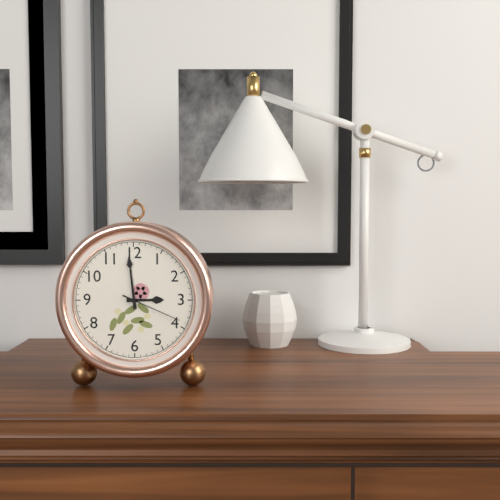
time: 2:59:19
